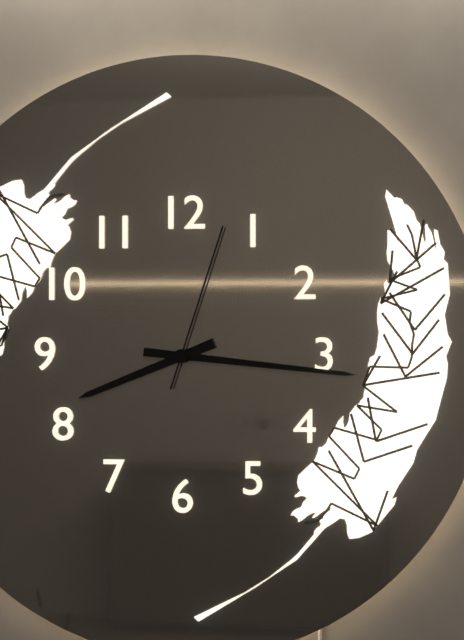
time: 8:16:03
